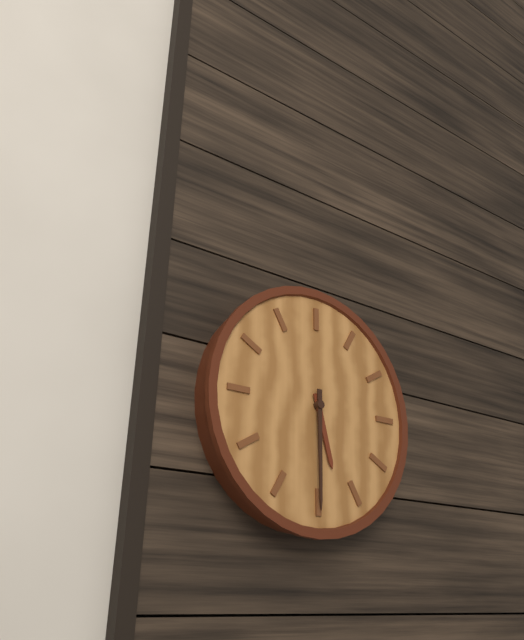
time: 5:30
